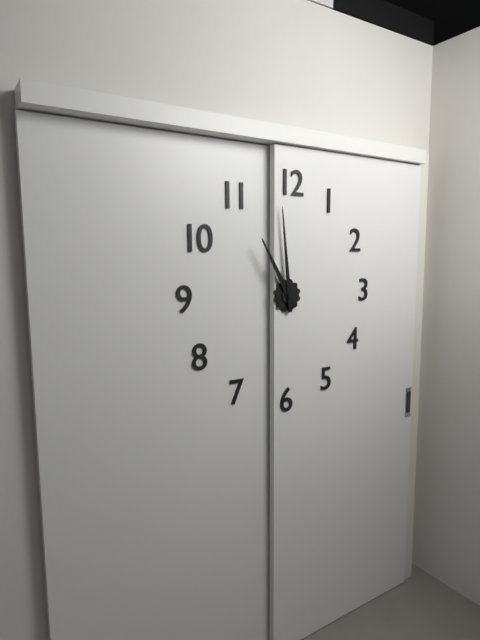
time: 10:59
